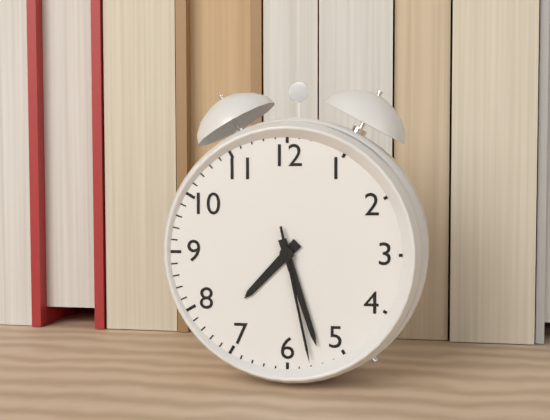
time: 7:27:28
